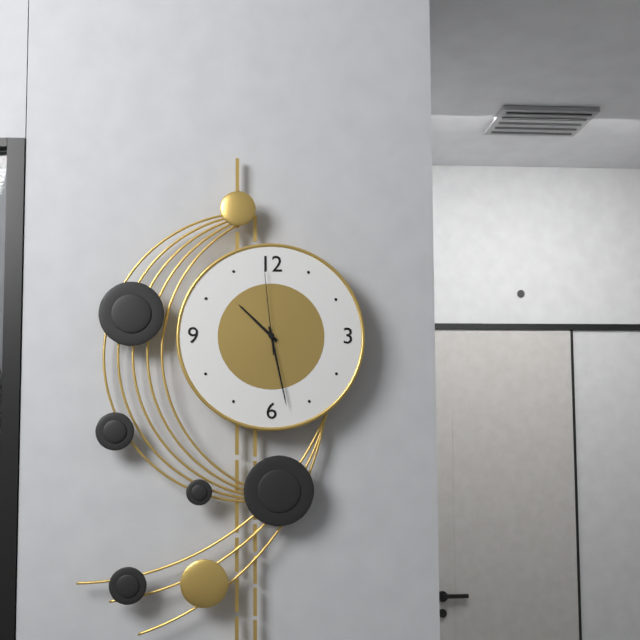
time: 10:28:59
